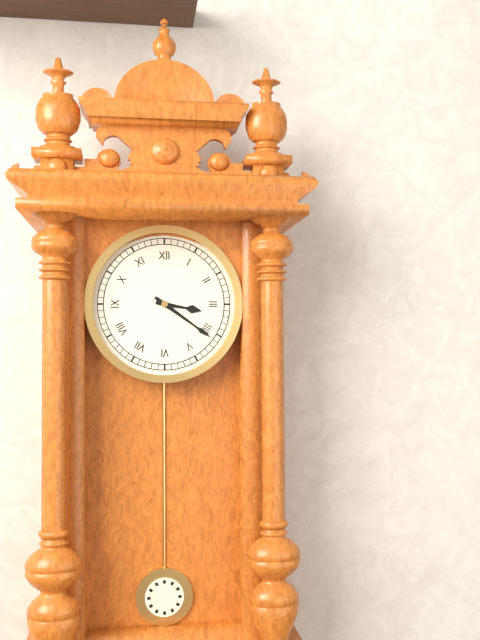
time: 3:21
